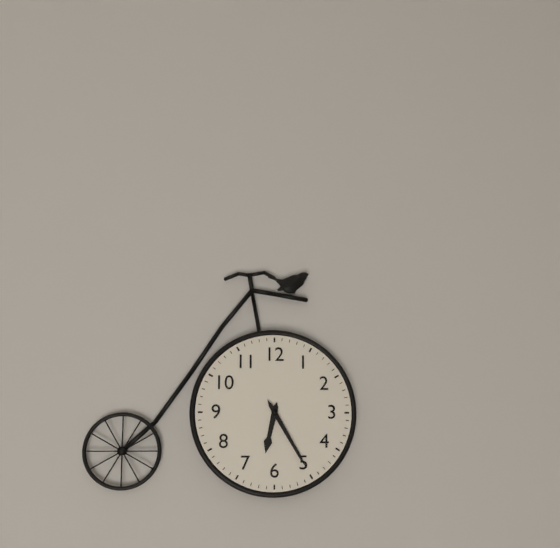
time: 6:25
